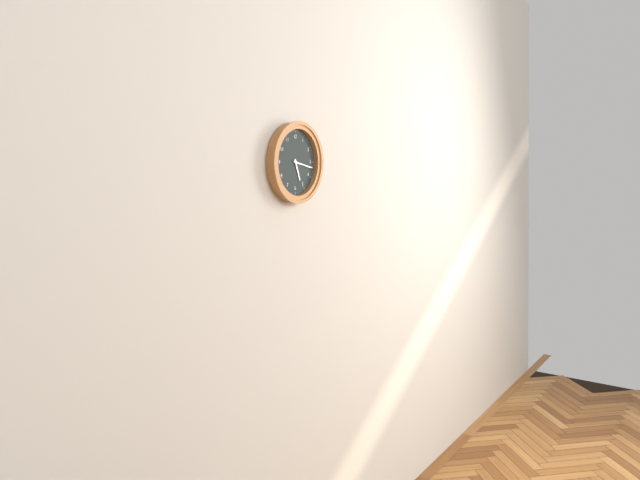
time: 5:17
